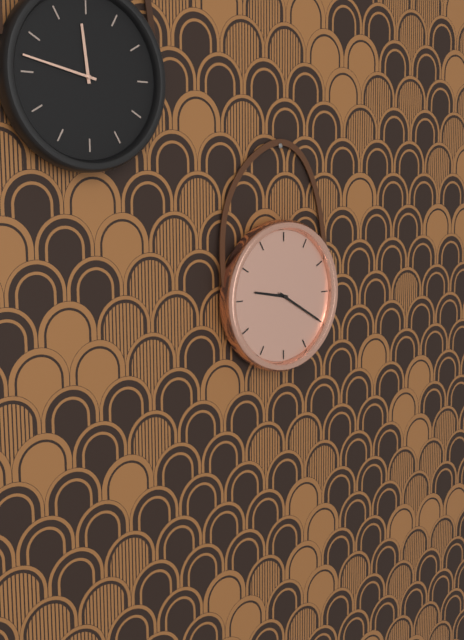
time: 9:20
